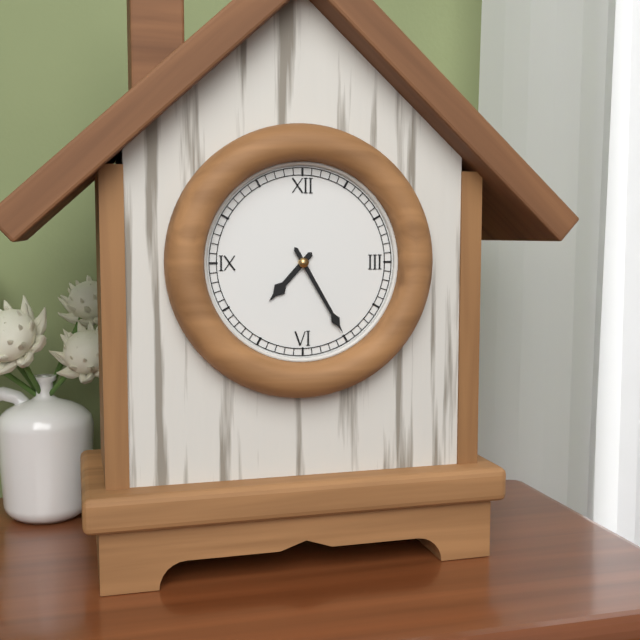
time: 7:25
